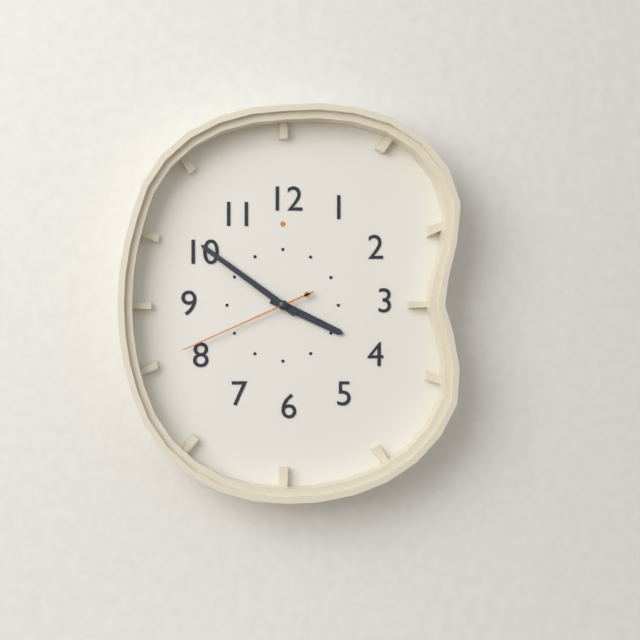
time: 3:51:41
